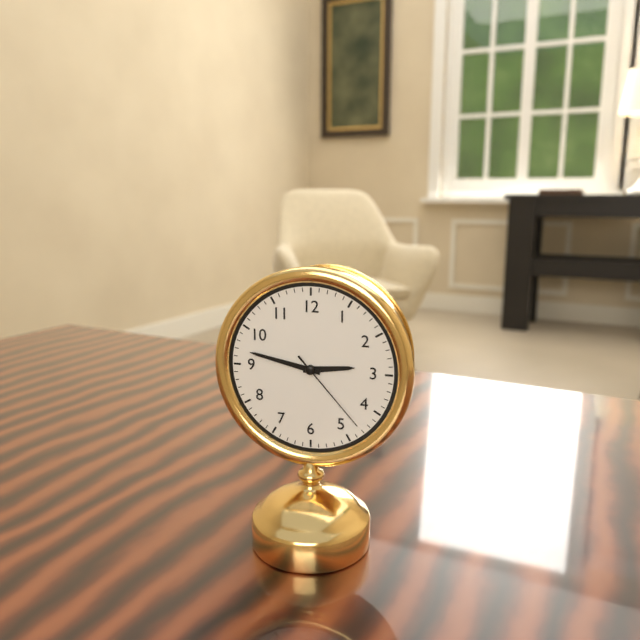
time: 2:47:23
